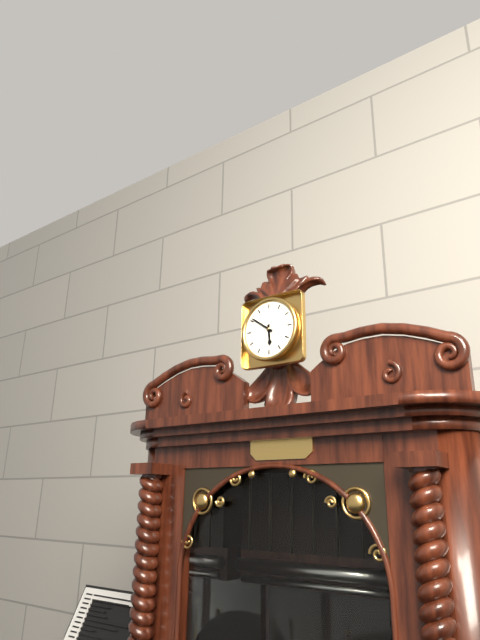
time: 5:51
